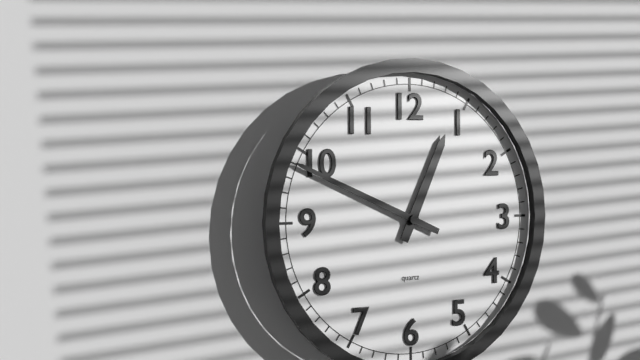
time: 12:49
